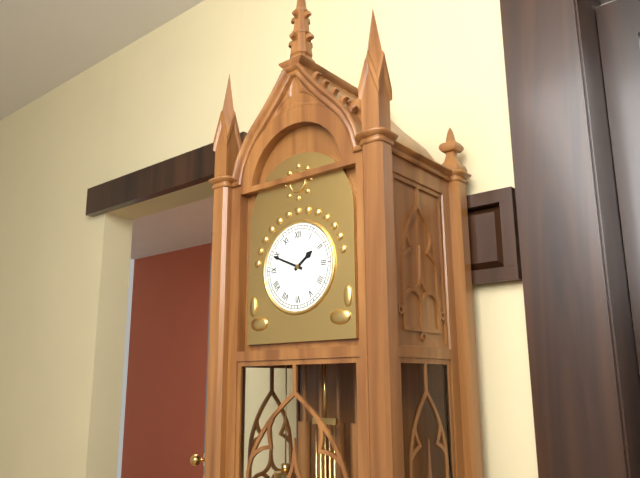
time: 1:49
